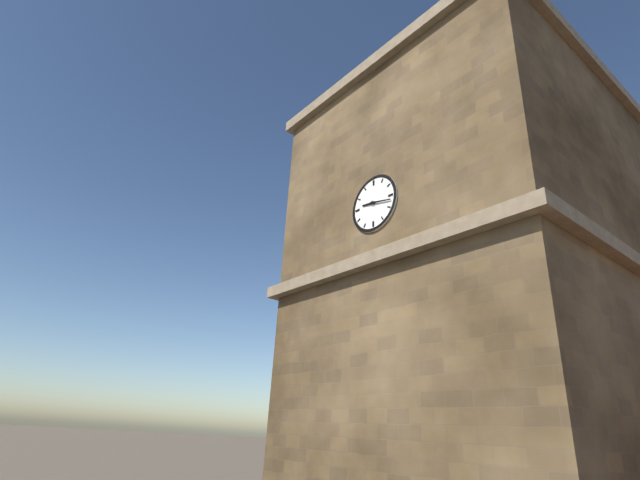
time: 9:17
